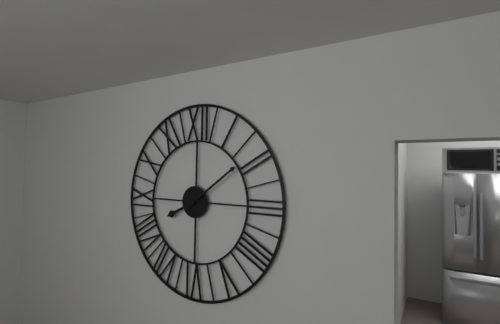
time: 8:09
